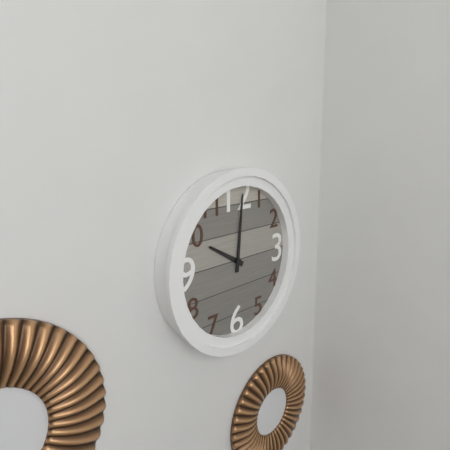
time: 10:01
